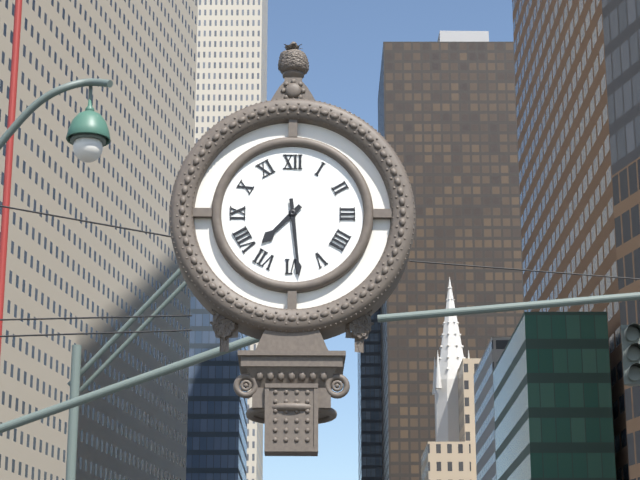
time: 7:29
